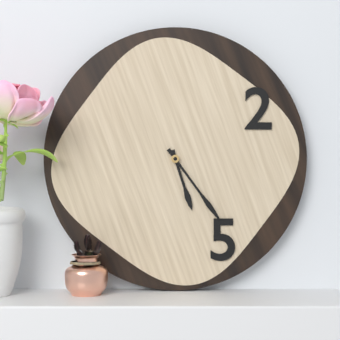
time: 5:24
